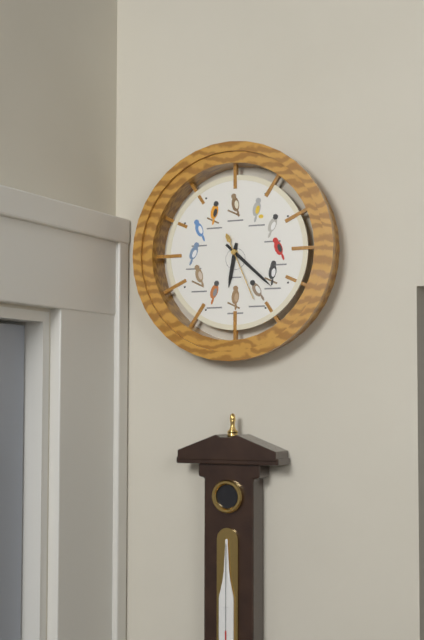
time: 6:22:26
